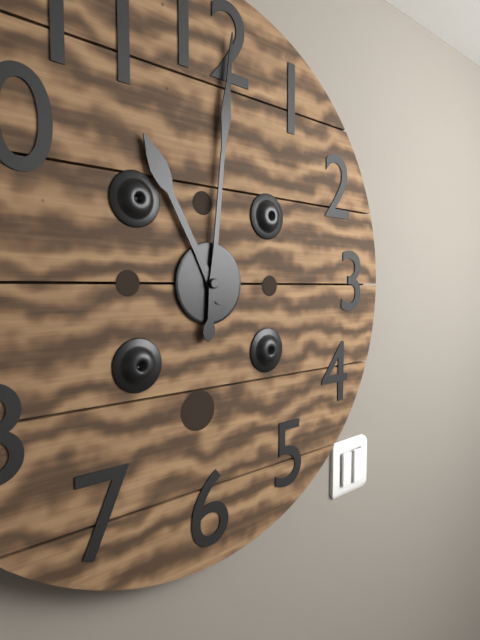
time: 11:01
